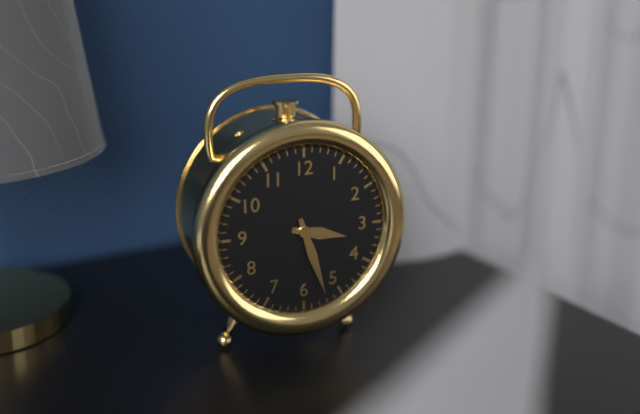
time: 3:27
